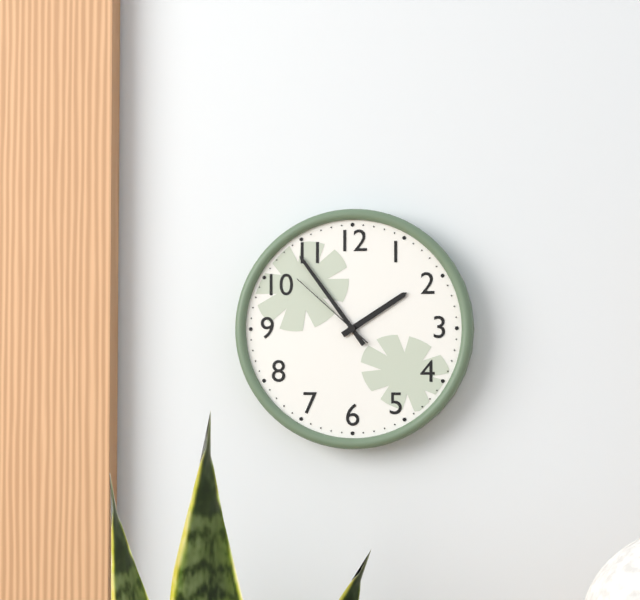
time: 1:54:52
